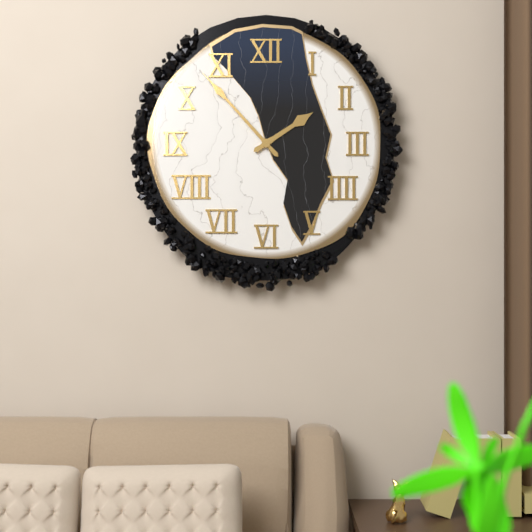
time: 1:53
